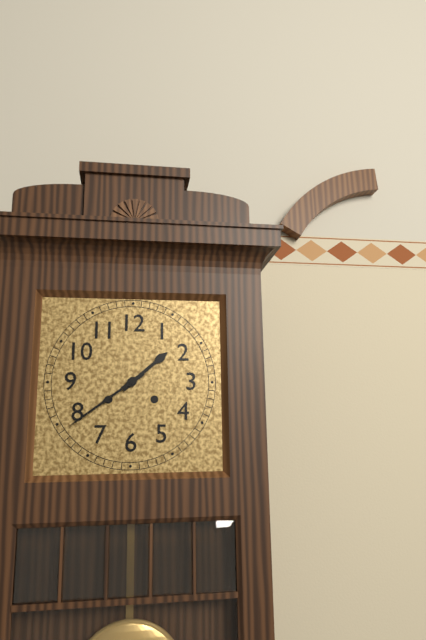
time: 1:39
